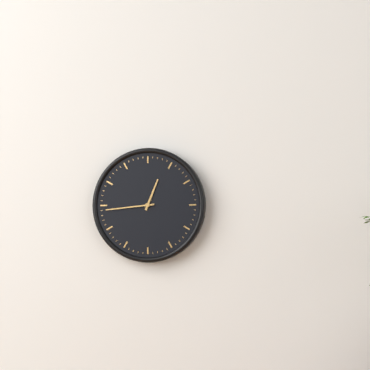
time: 12:44
